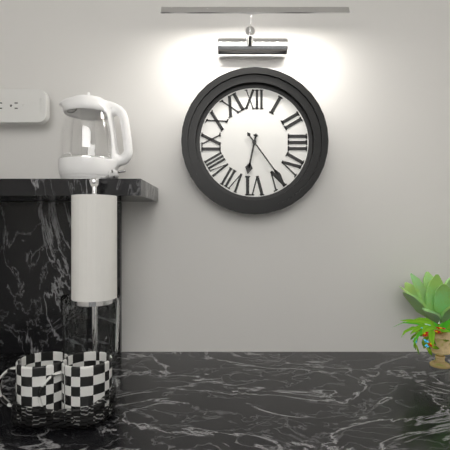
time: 6:24
